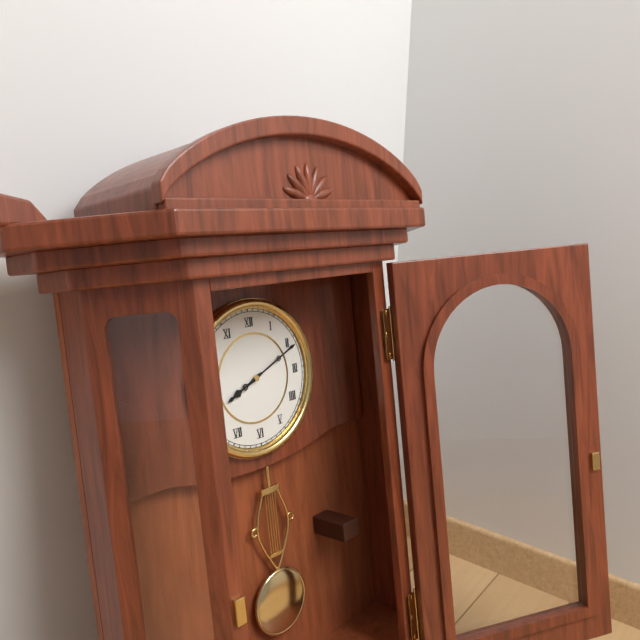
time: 8:11
